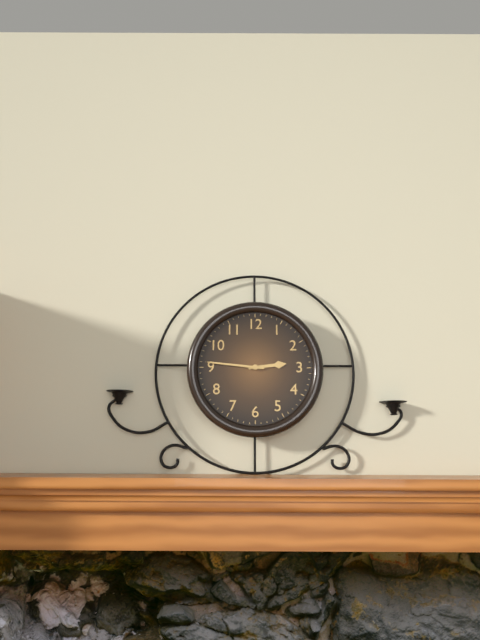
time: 2:46
